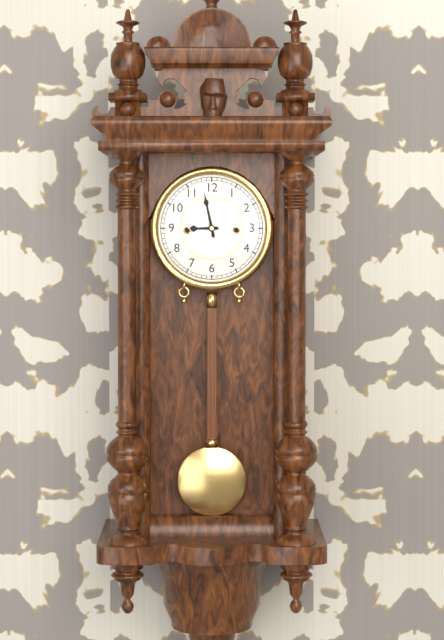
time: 8:58
